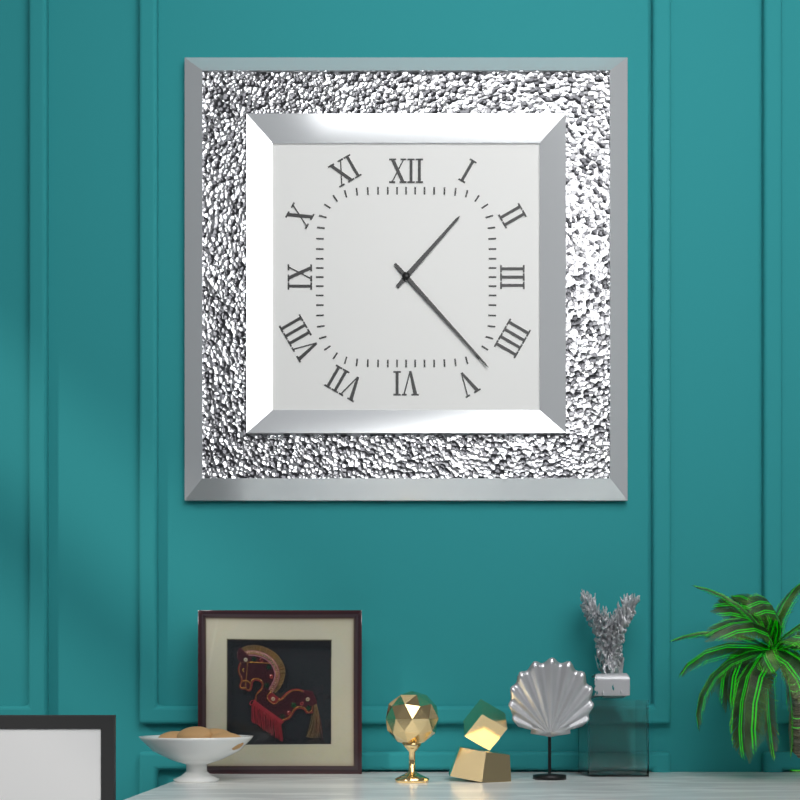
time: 1:23
